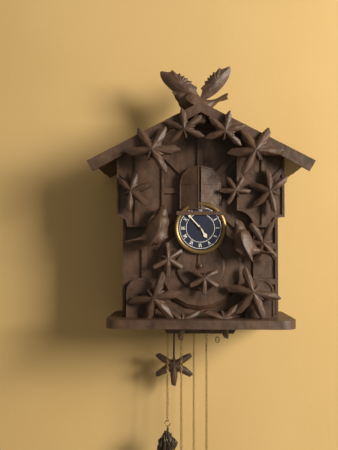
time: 4:53
